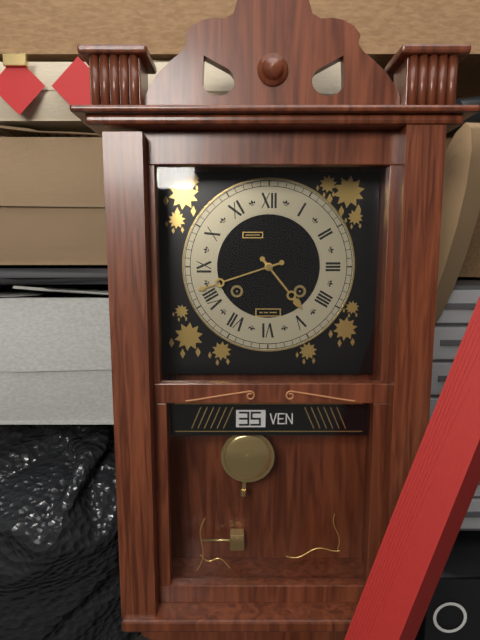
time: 4:42
